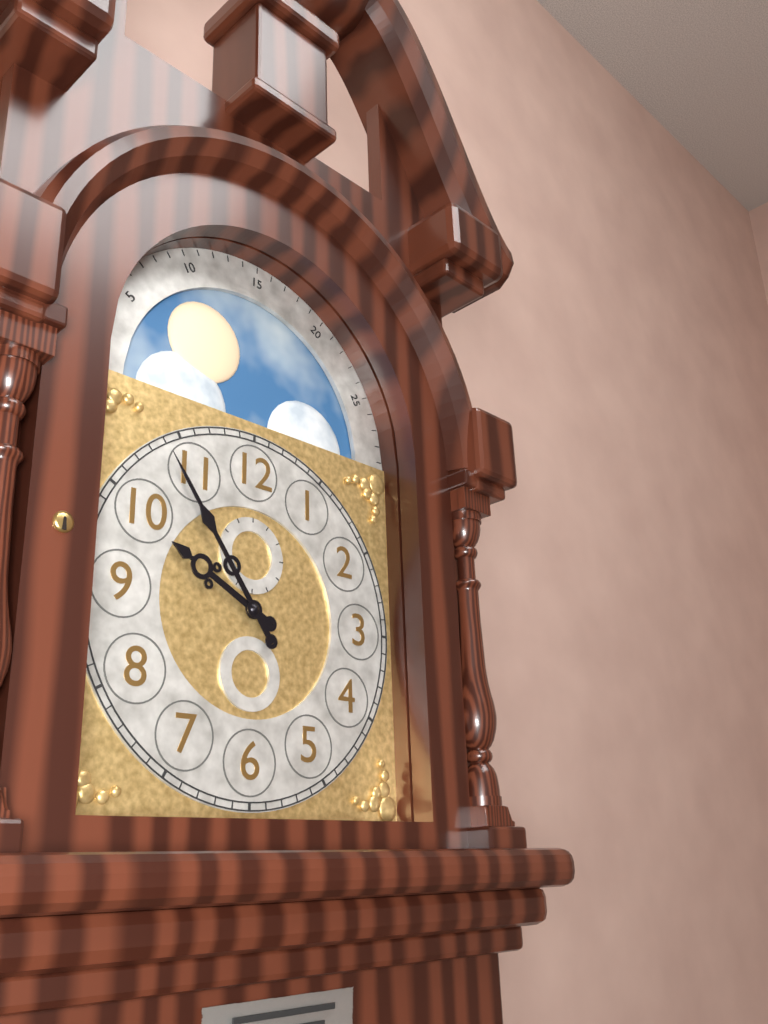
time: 9:54
